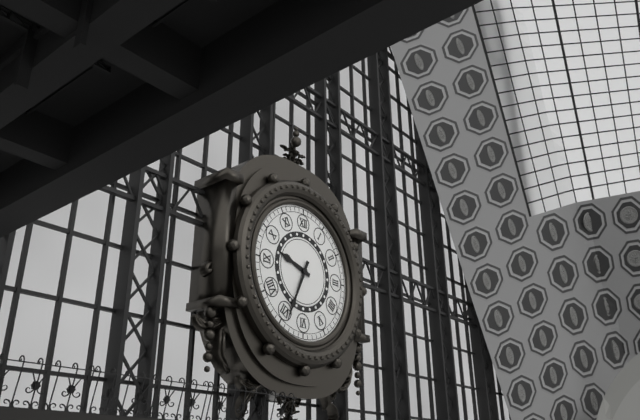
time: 9:34
